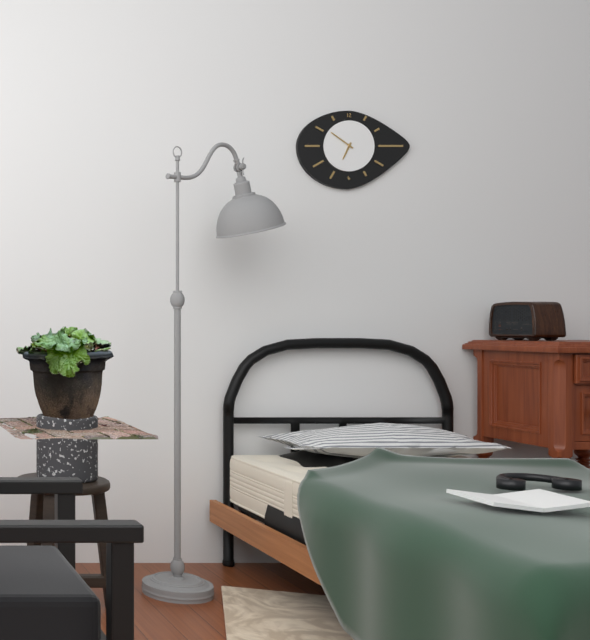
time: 6:51
